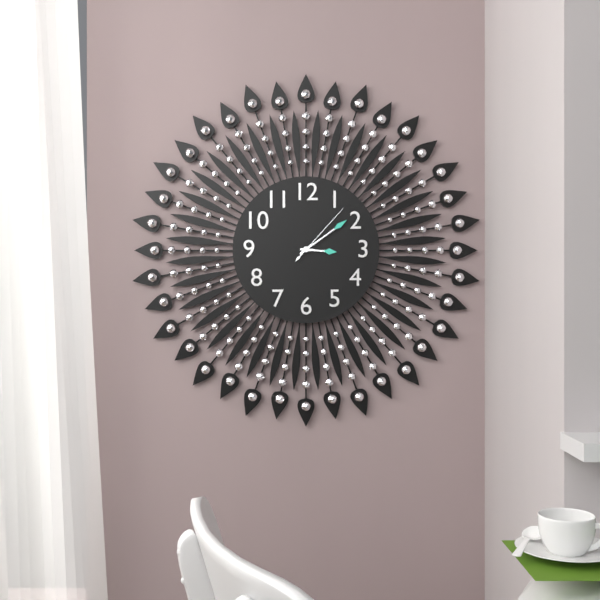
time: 3:09:07
